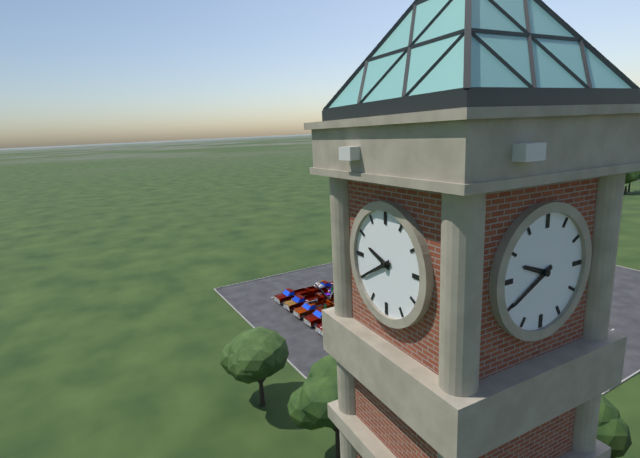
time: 9:40
